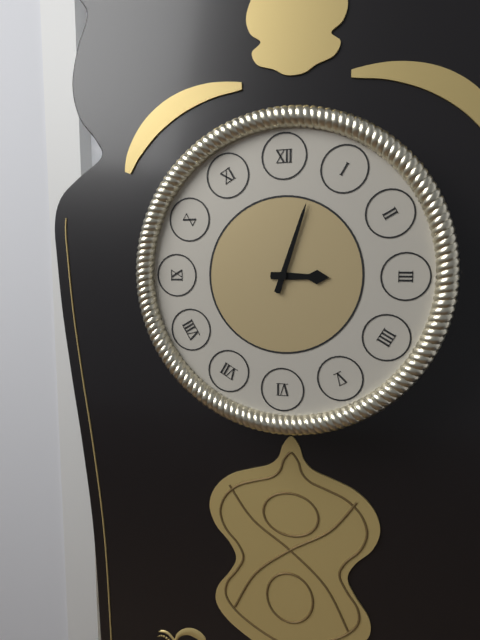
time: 3:03
